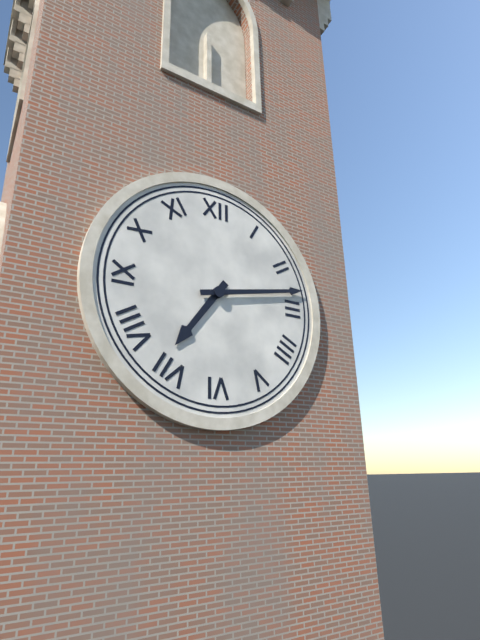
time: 7:13
